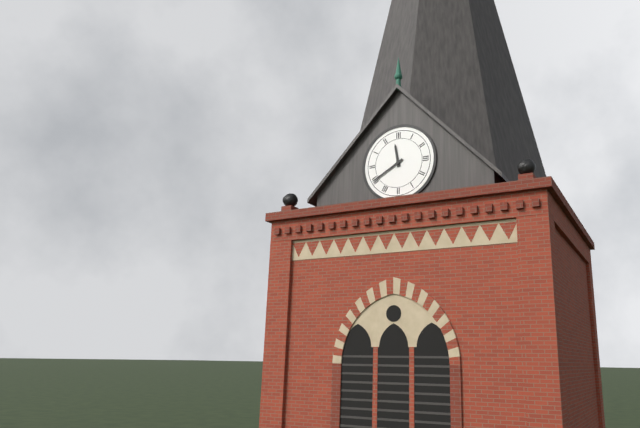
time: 11:40
